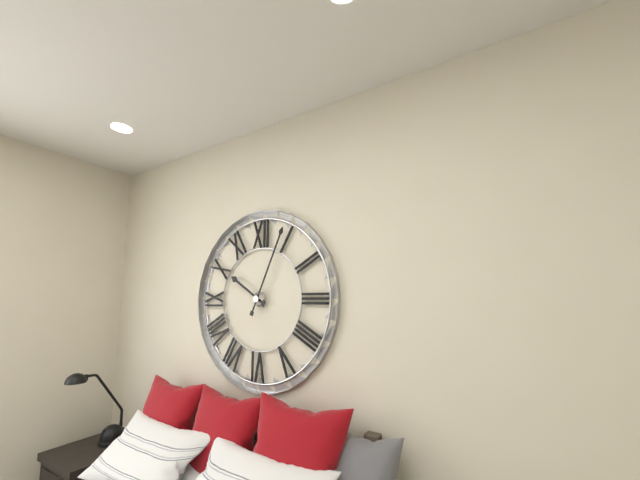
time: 10:04
